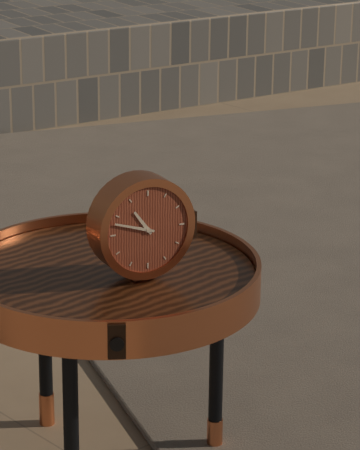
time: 10:48
